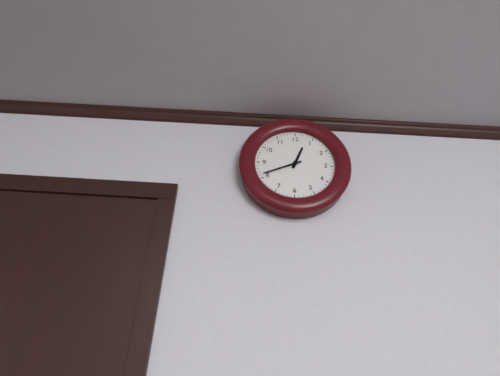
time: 12:41
